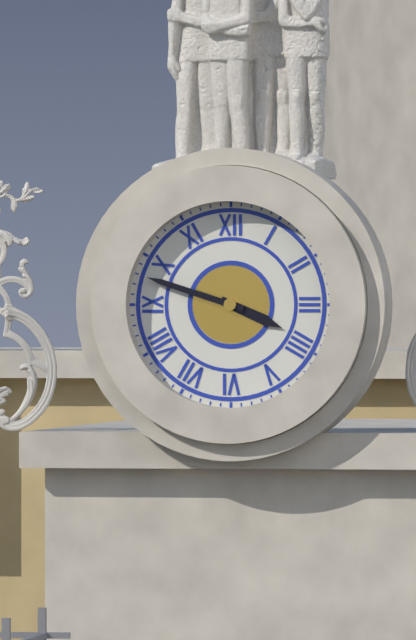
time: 3:48
